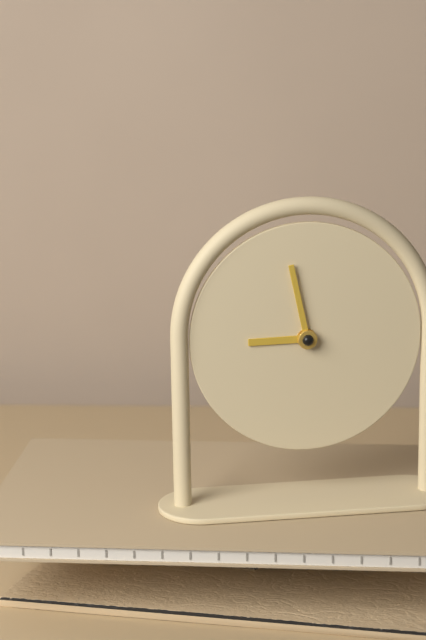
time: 8:58
